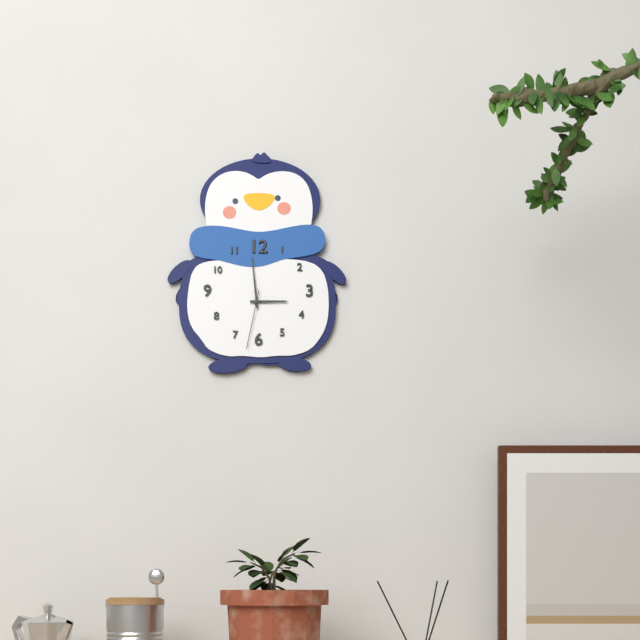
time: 2:59:32
